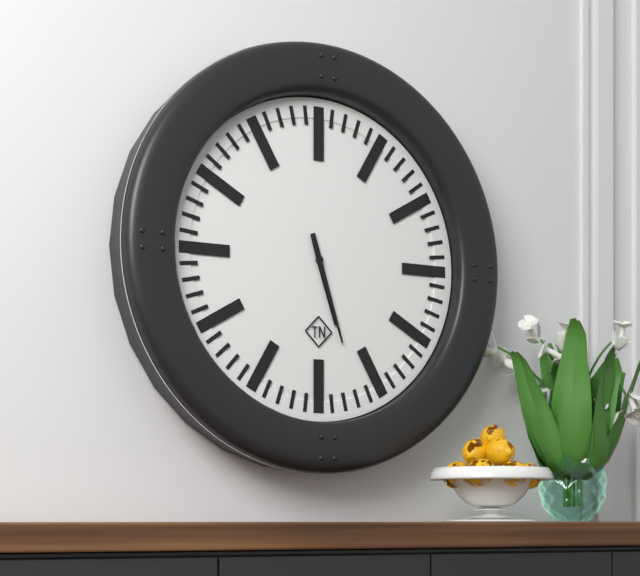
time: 5:27
